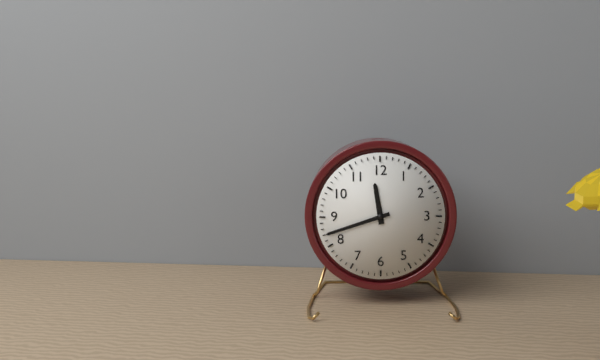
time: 11:42
